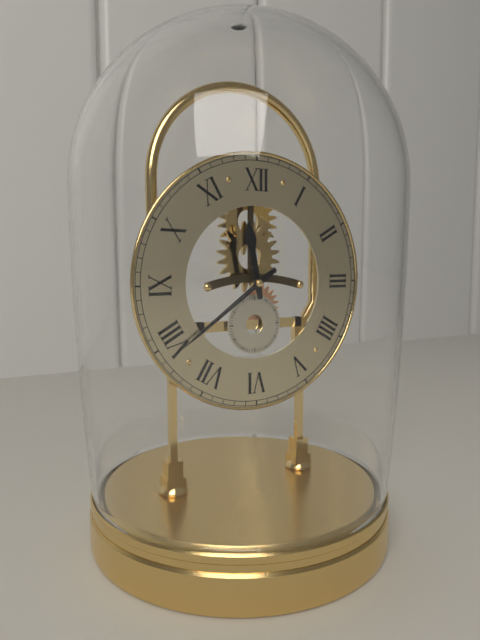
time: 11:39
